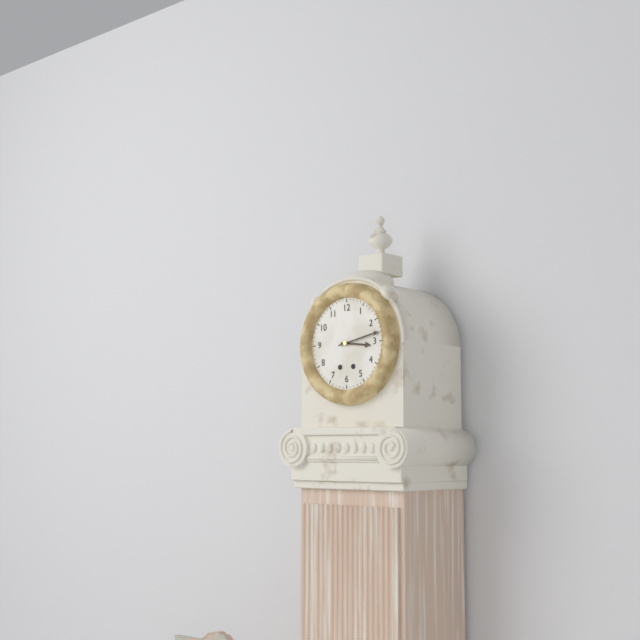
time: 3:13
